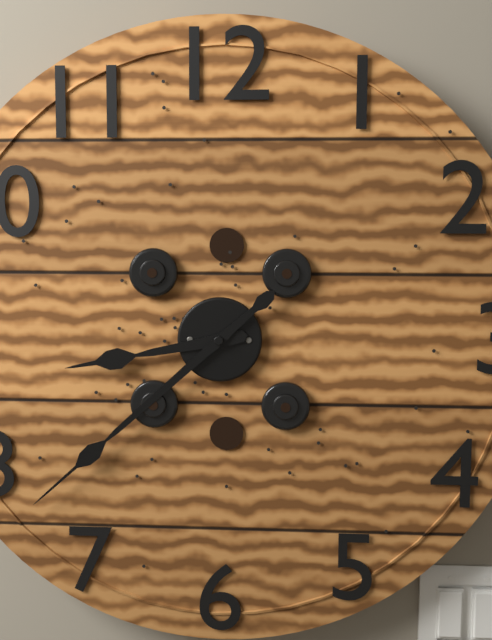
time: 8:38
